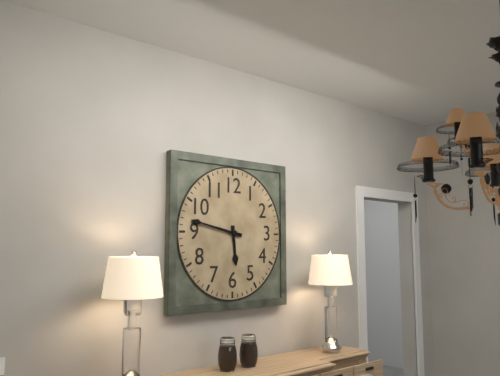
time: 5:47
